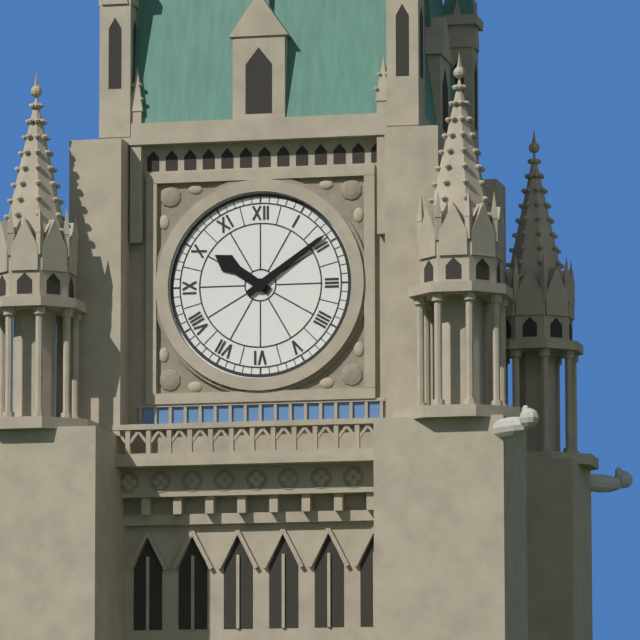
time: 10:09
